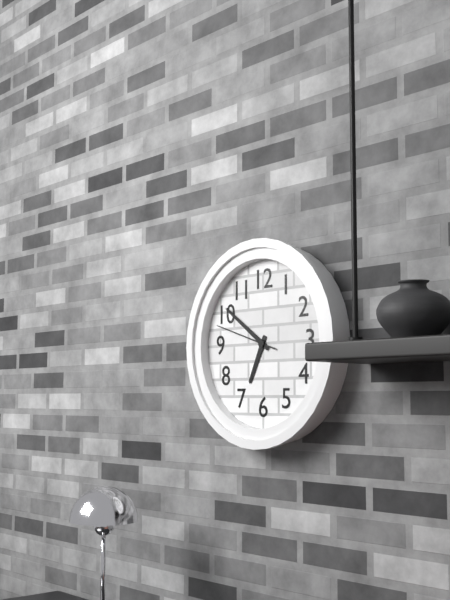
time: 6:51:48
